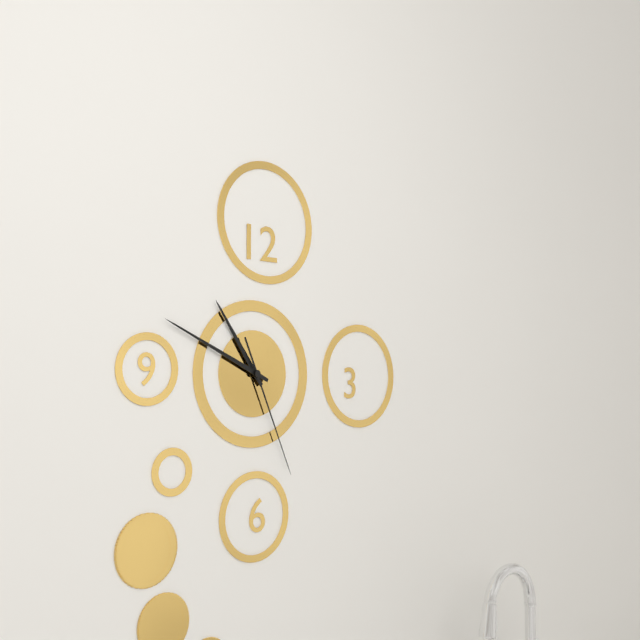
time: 10:49:26
